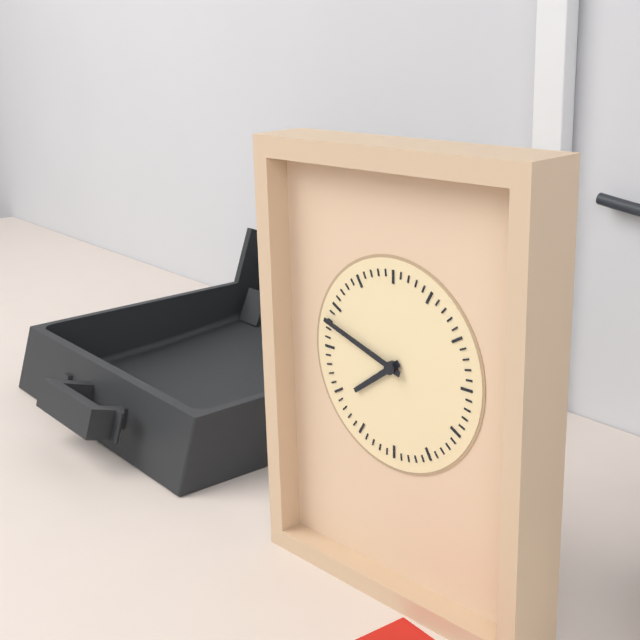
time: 7:48
